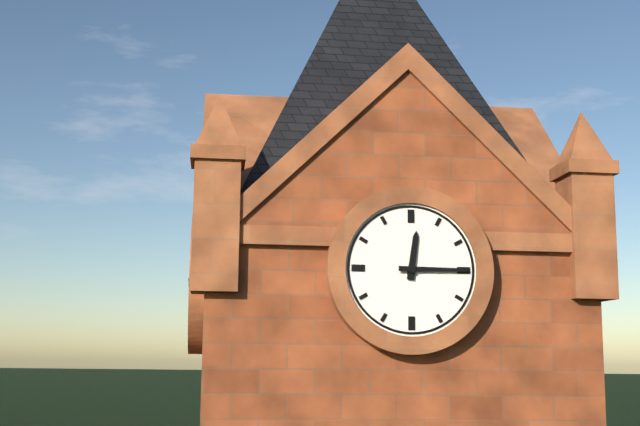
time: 12:15
